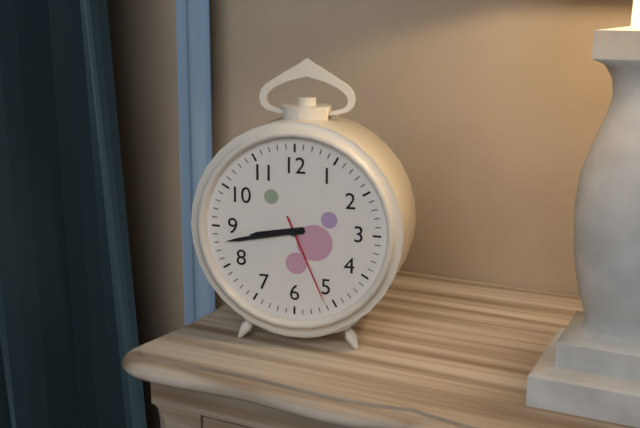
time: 8:43:26
